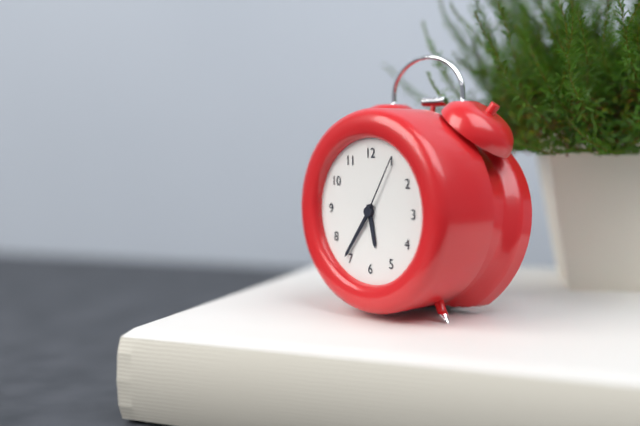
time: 5:36:05
